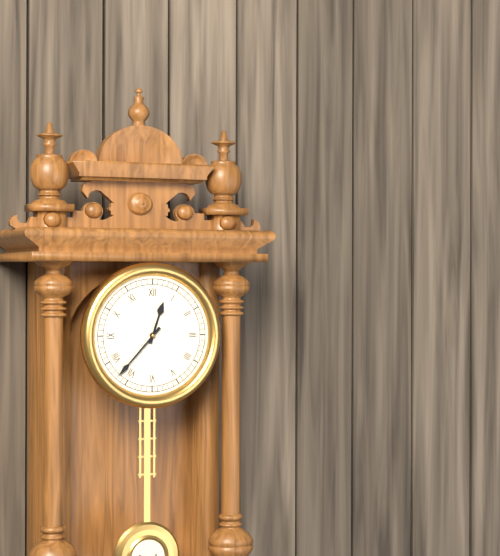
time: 12:37
